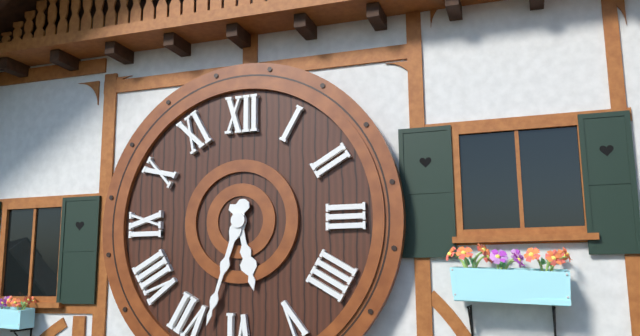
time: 5:33
